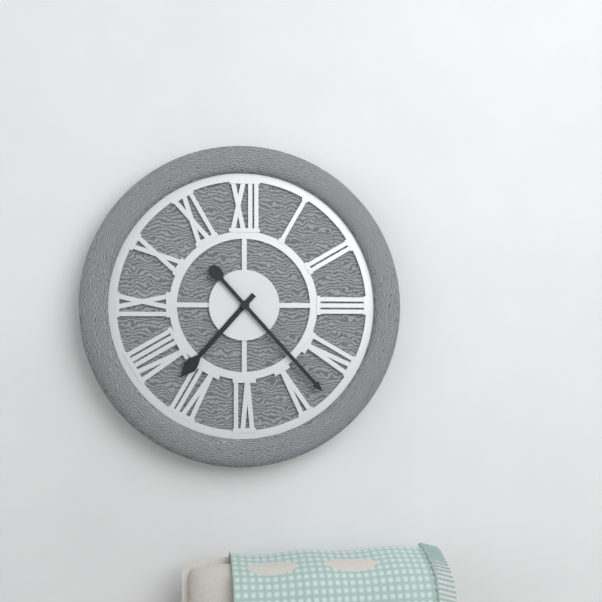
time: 7:23
